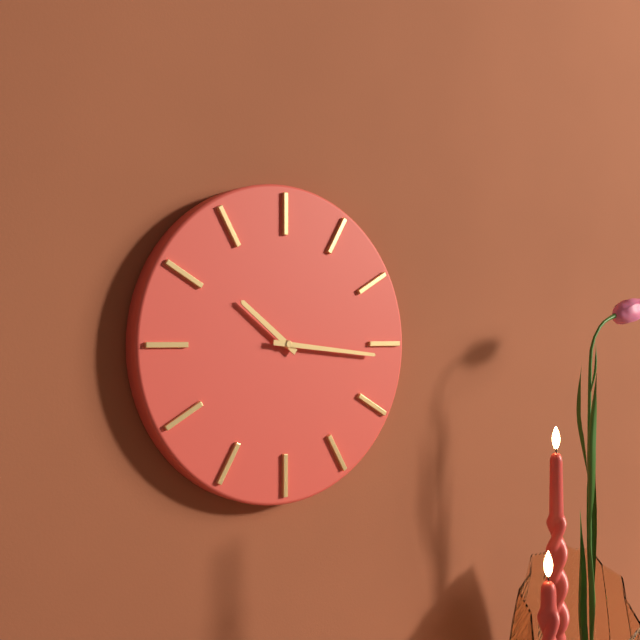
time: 10:16
